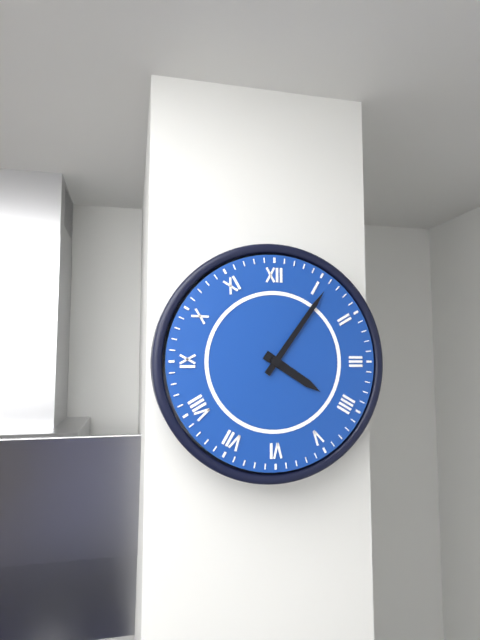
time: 4:06
